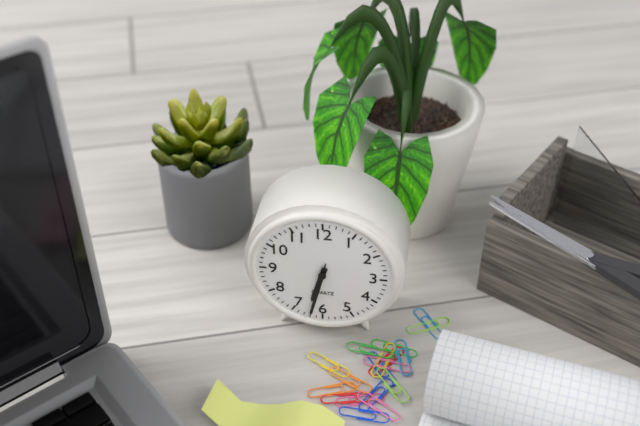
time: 6:32:32
